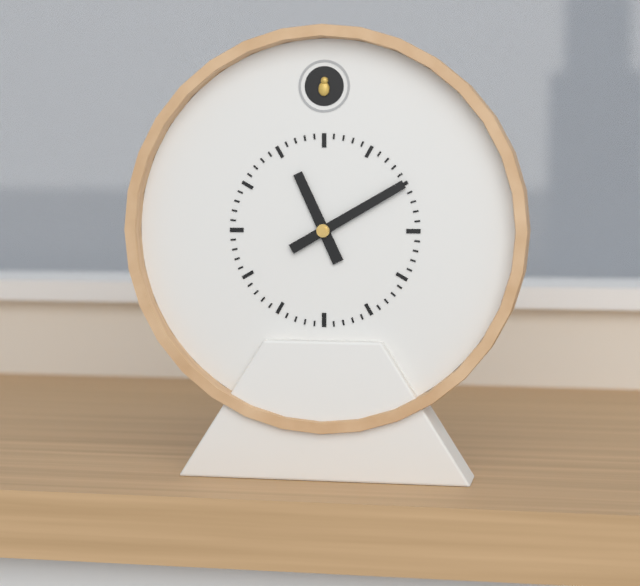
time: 11:10
